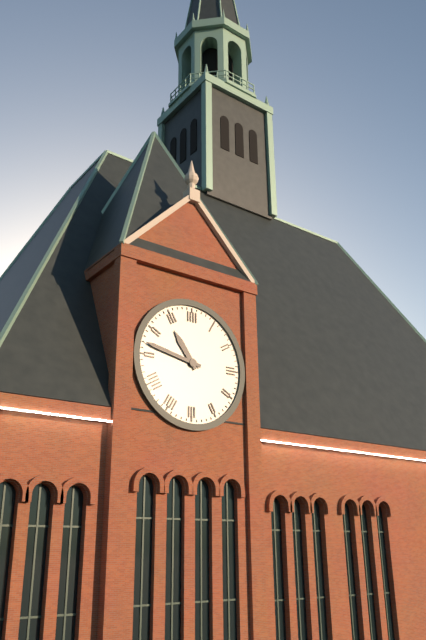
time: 10:47
